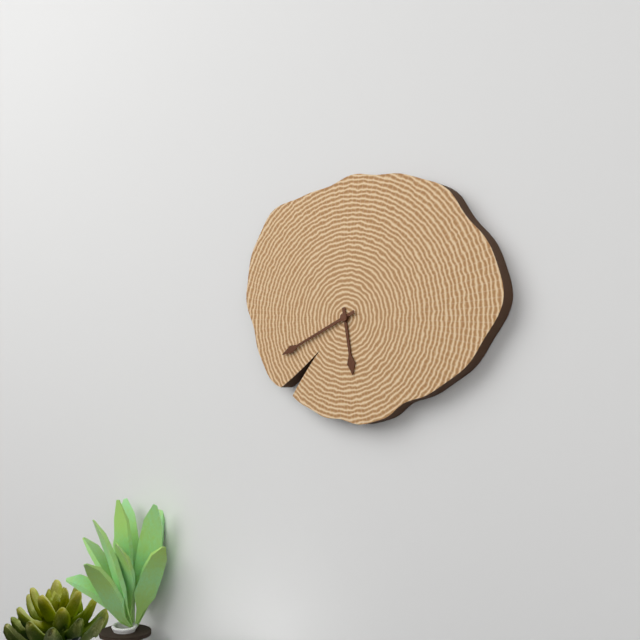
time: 5:41
